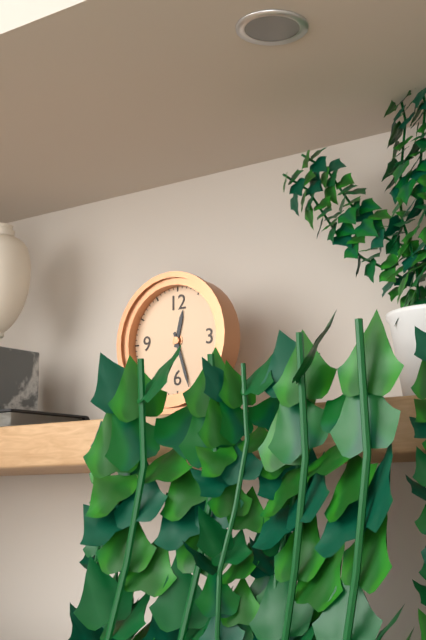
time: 12:27
